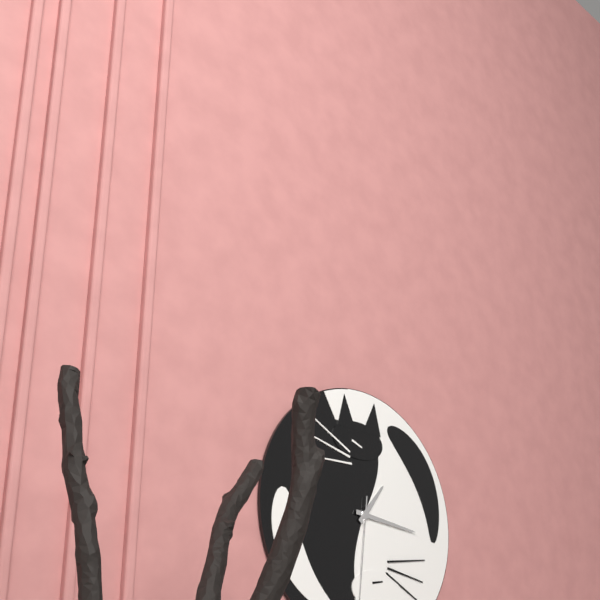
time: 1:16
